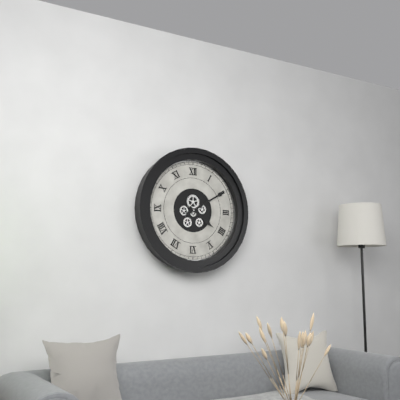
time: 4:10
